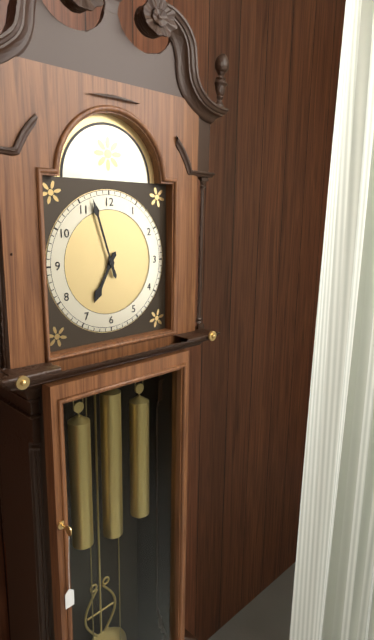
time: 6:57
